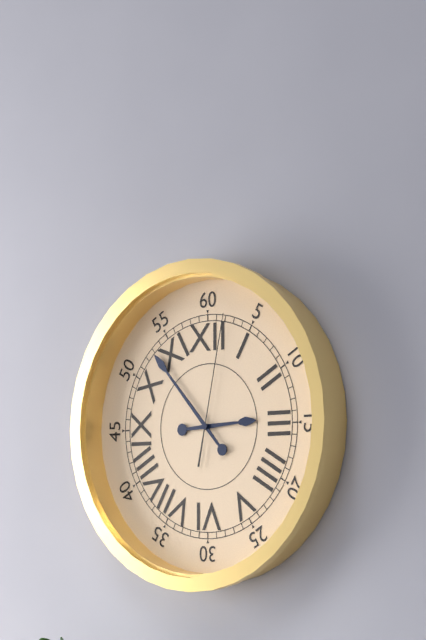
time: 2:53:02
